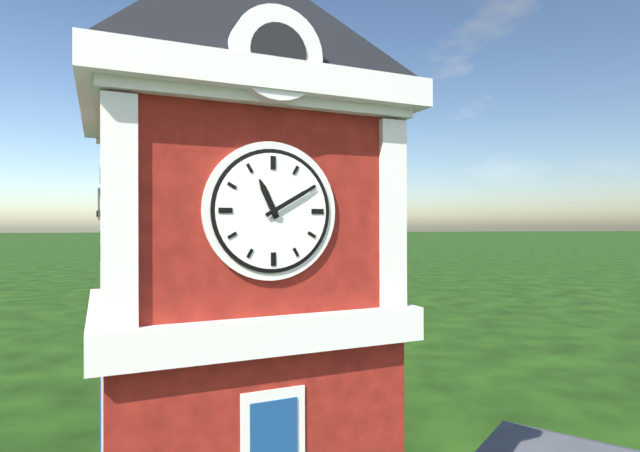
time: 11:10
